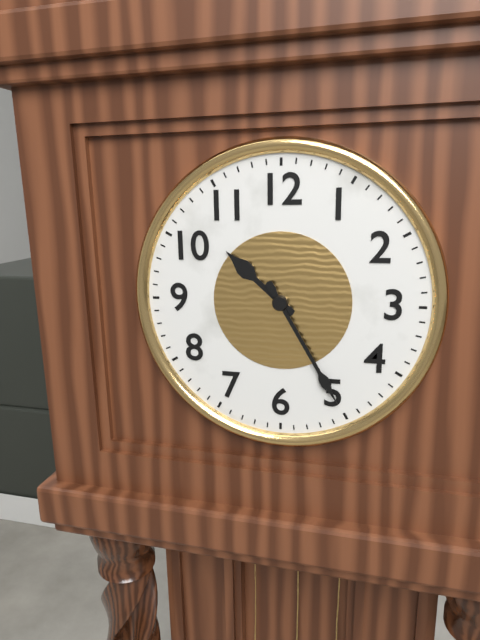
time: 10:25
